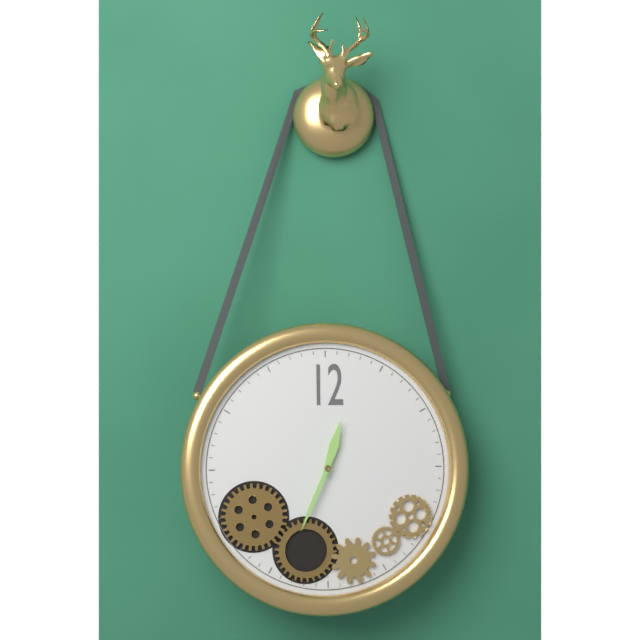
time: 12:34
